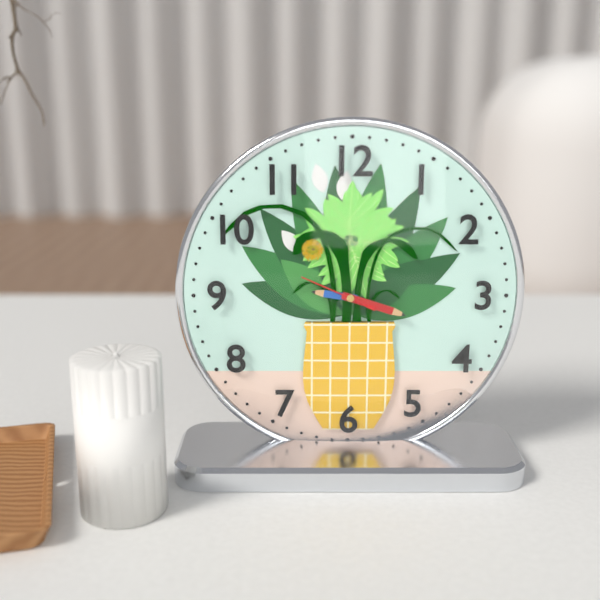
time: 9:18:49
